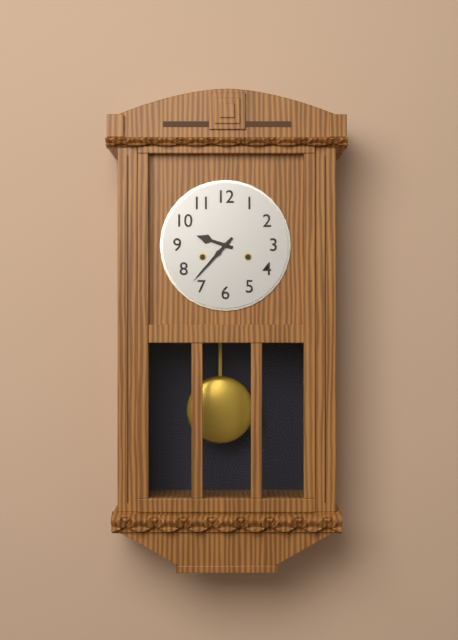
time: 9:37
